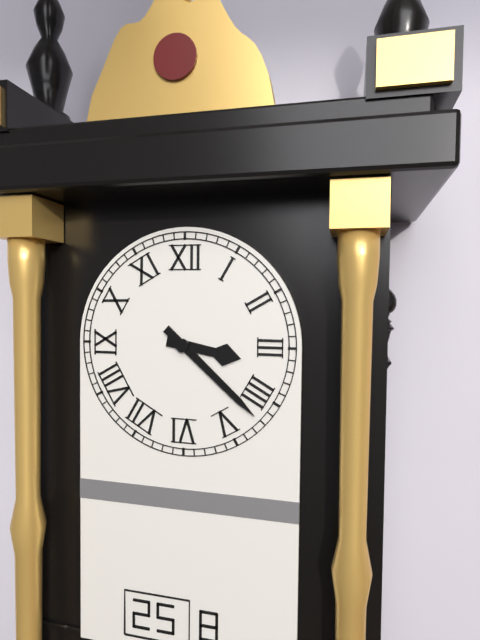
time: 3:22
